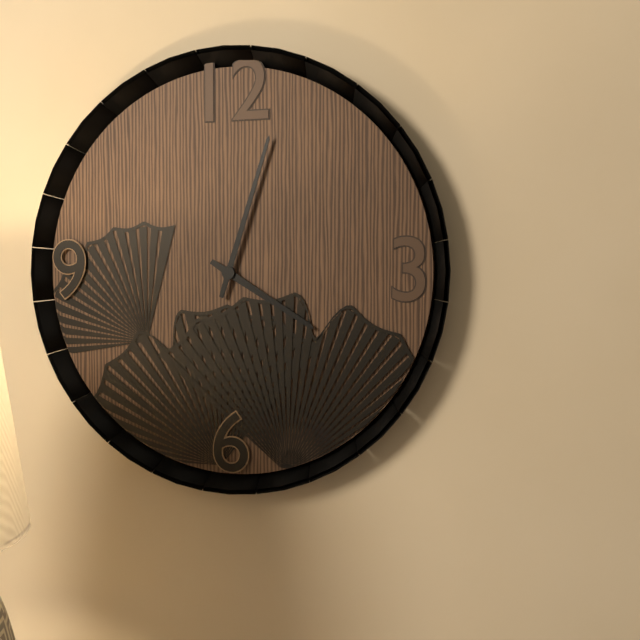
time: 4:03
